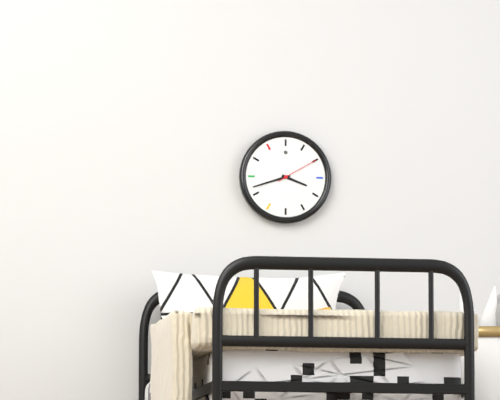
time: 3:42
